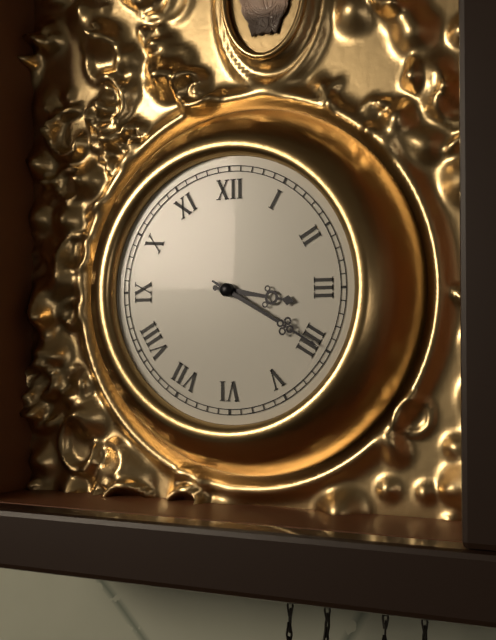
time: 3:20
